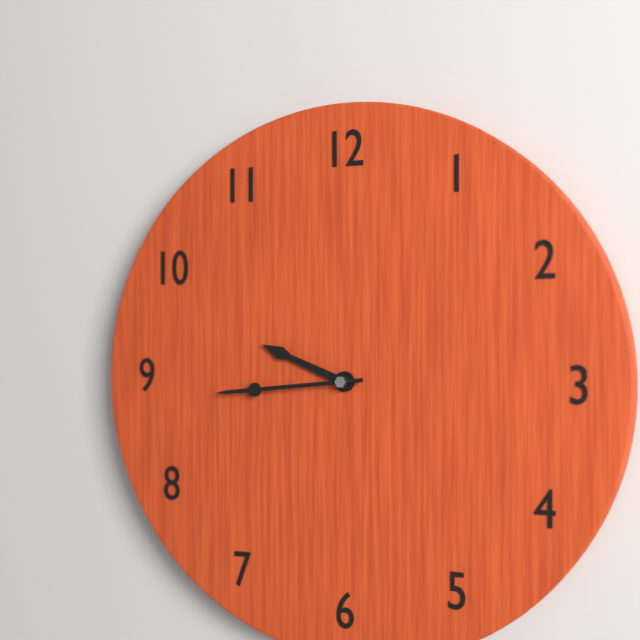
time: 9:44
